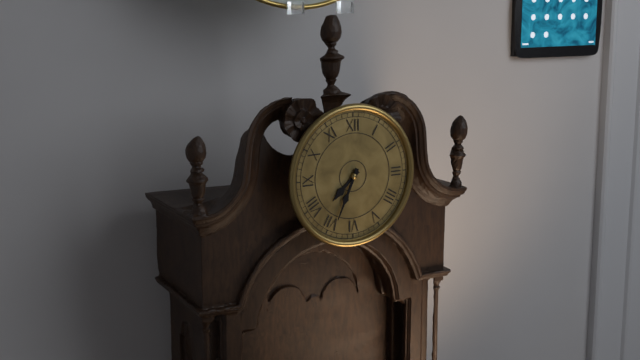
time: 7:34
